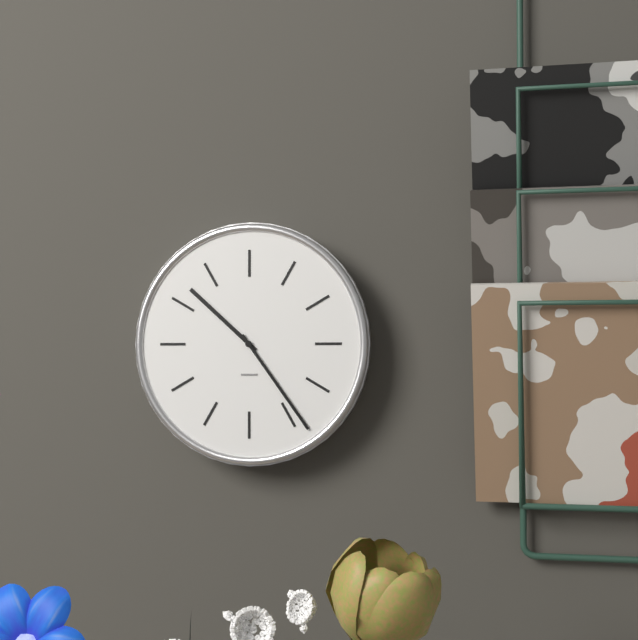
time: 10:24
